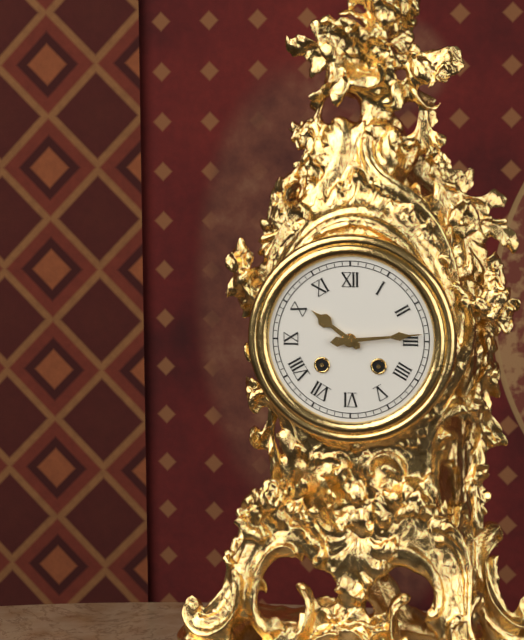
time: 10:14
